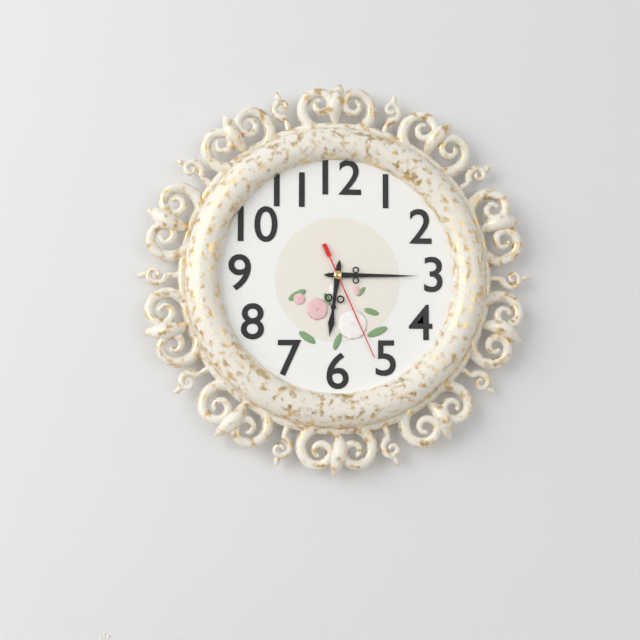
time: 6:15:26
